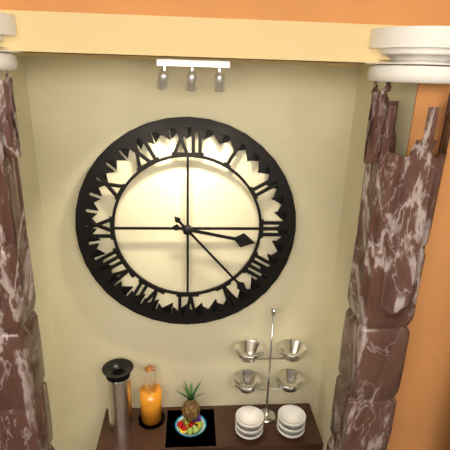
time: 3:23
